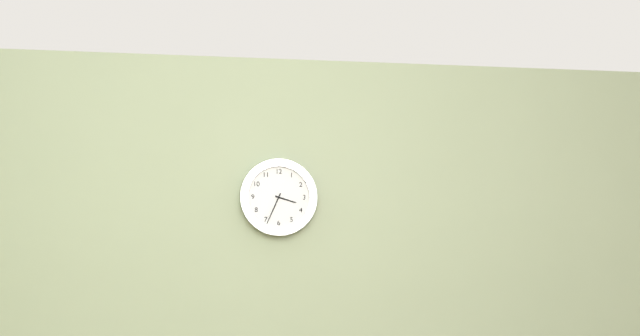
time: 3:34
